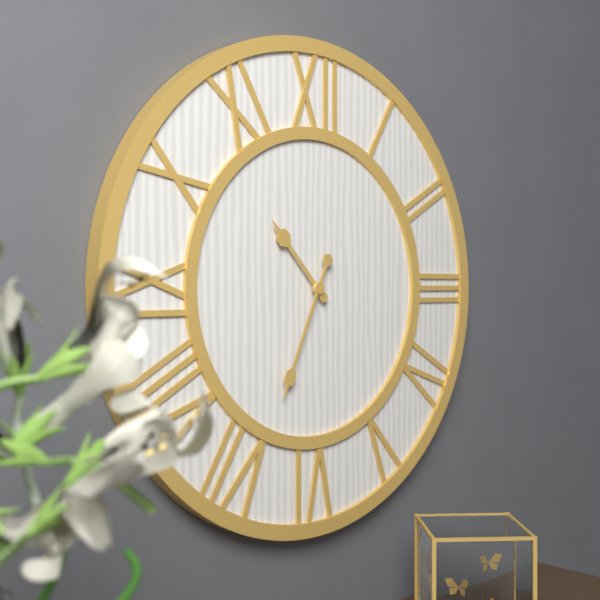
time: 10:34
